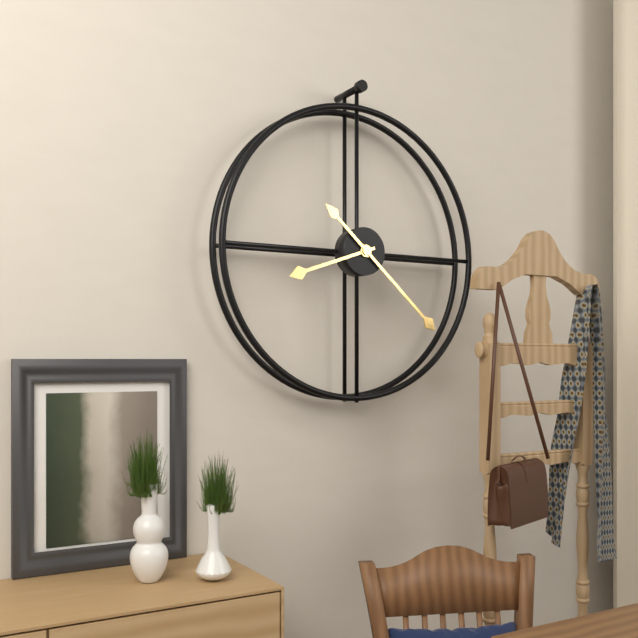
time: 8:22
